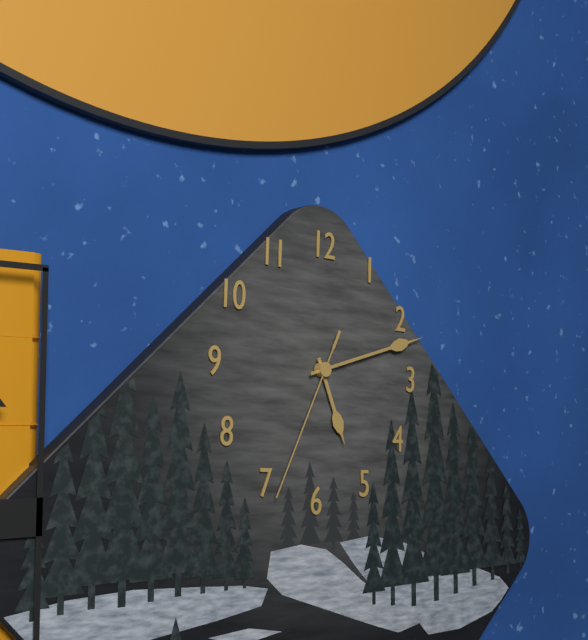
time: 5:12:34
